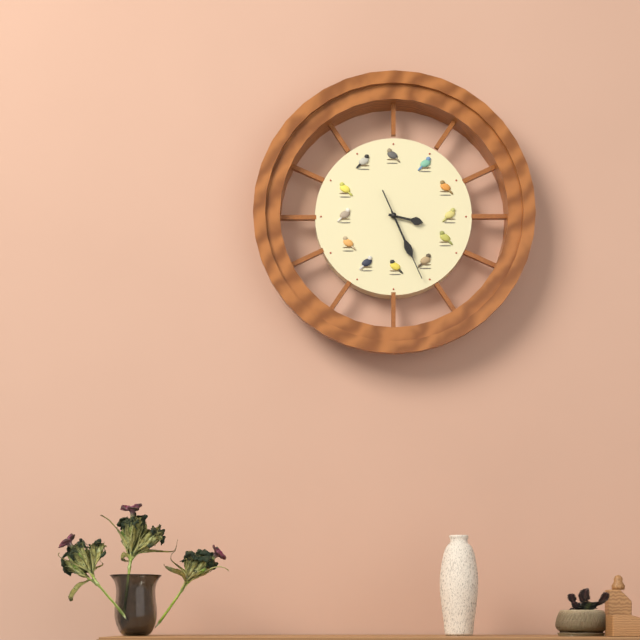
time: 3:26:26
